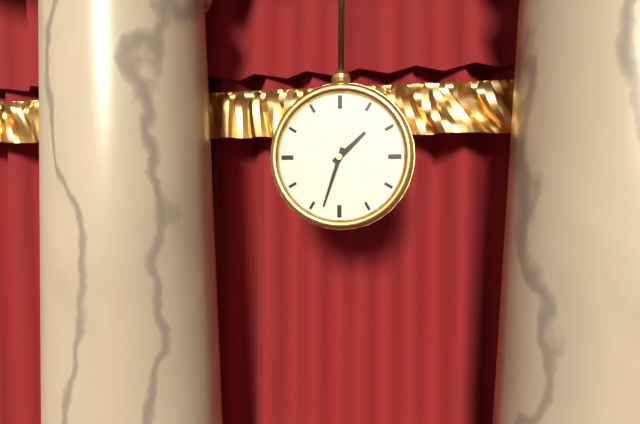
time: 1:33
